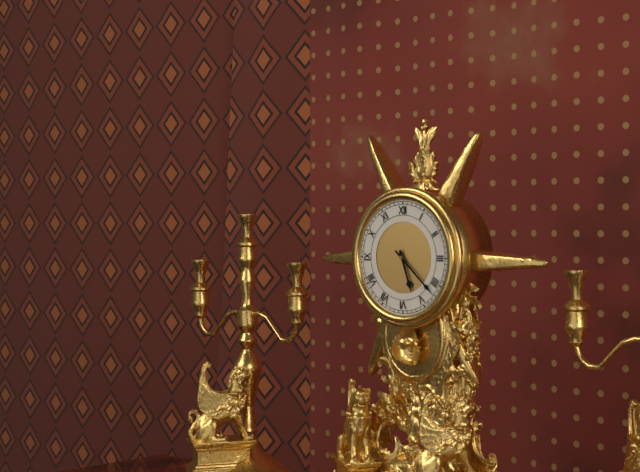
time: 5:22
